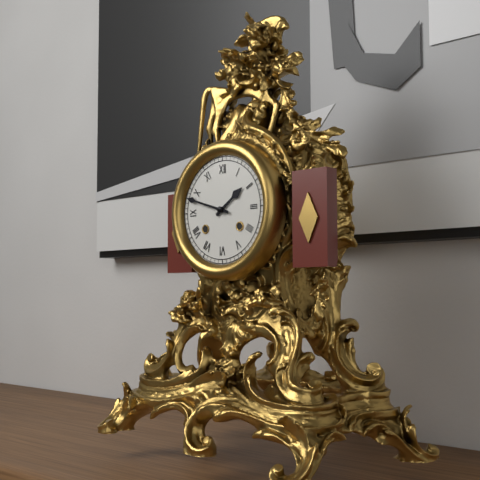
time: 1:48
